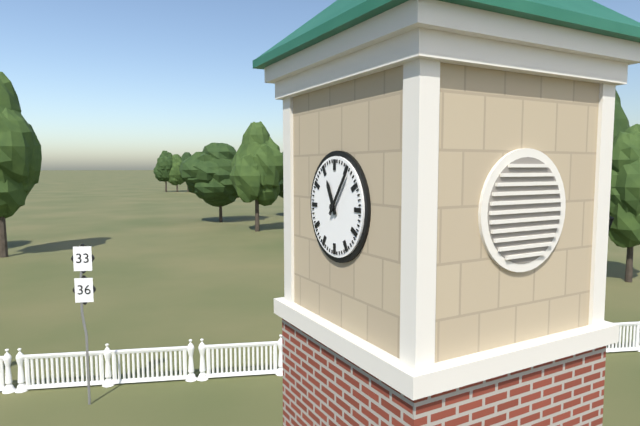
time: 11:06
